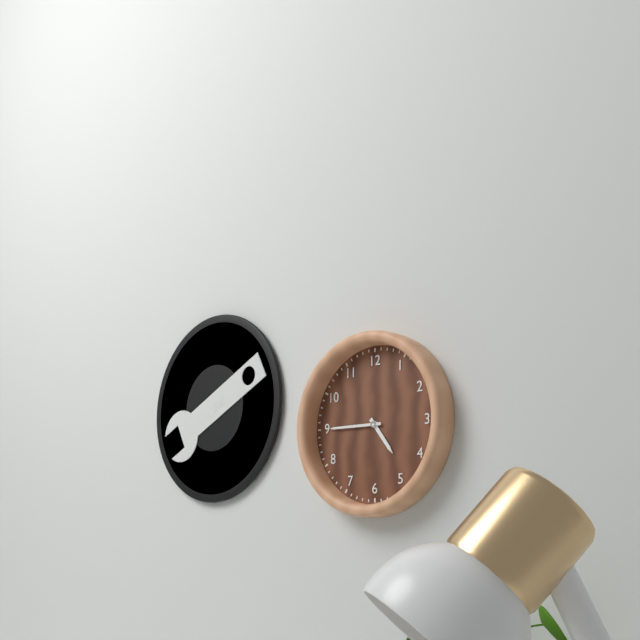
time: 4:45
